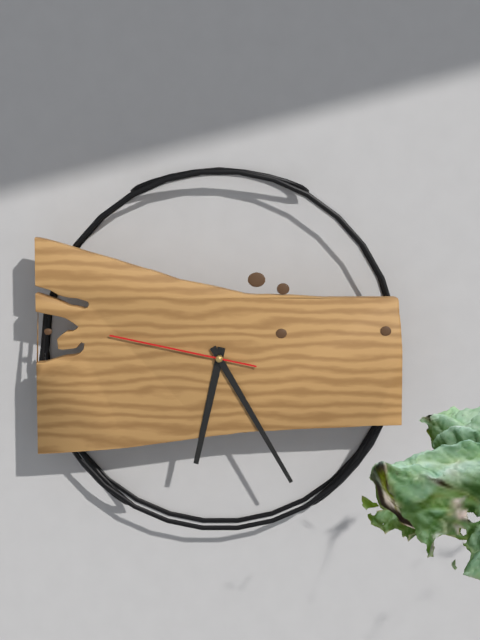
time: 6:25:47
